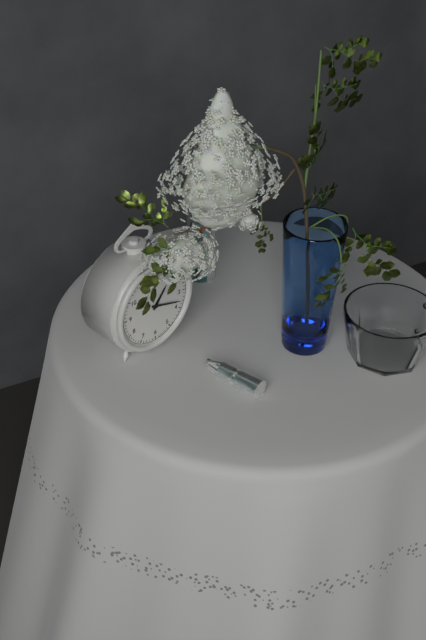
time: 1:18
